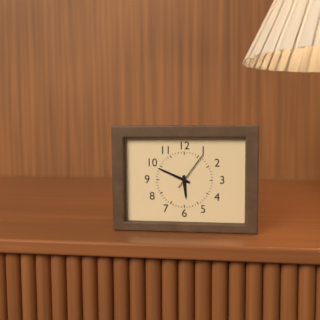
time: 5:49
